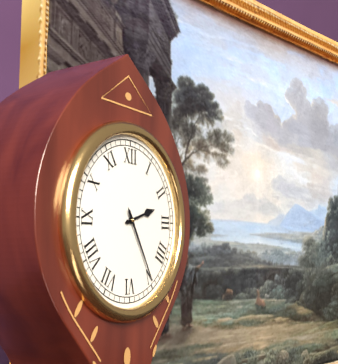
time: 2:25
